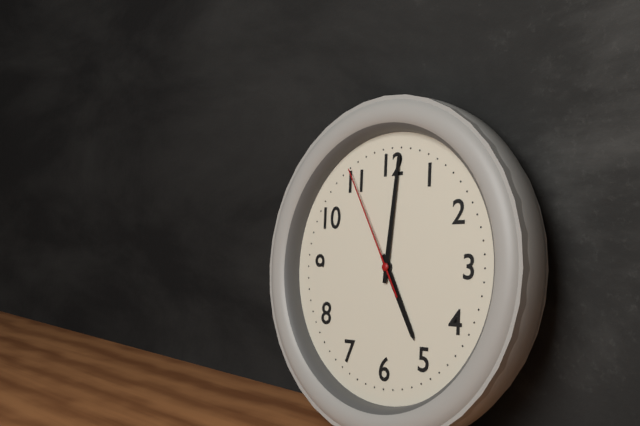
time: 5:01:55
